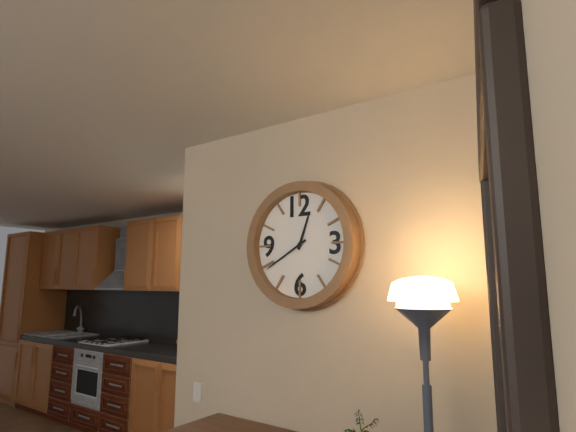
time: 12:40
